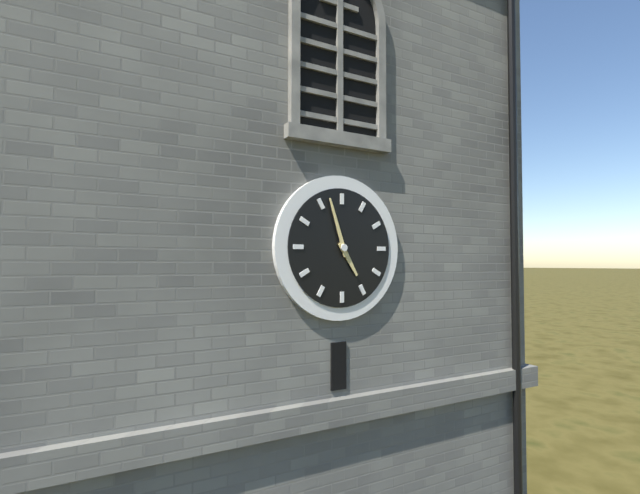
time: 4:57
